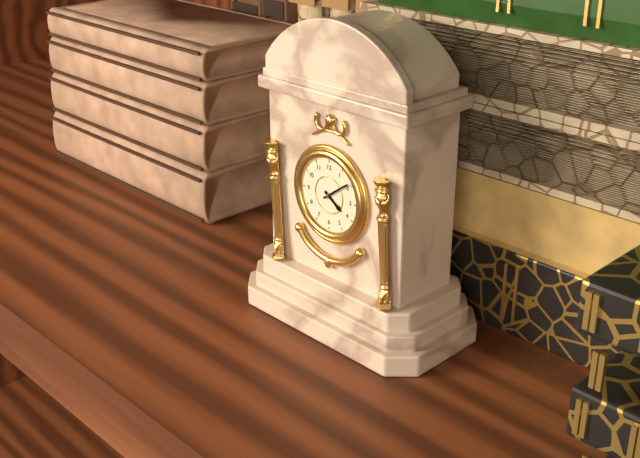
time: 4:09
